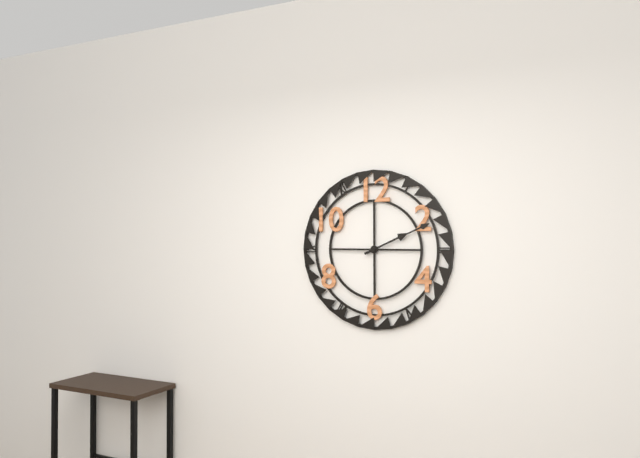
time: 2:11
